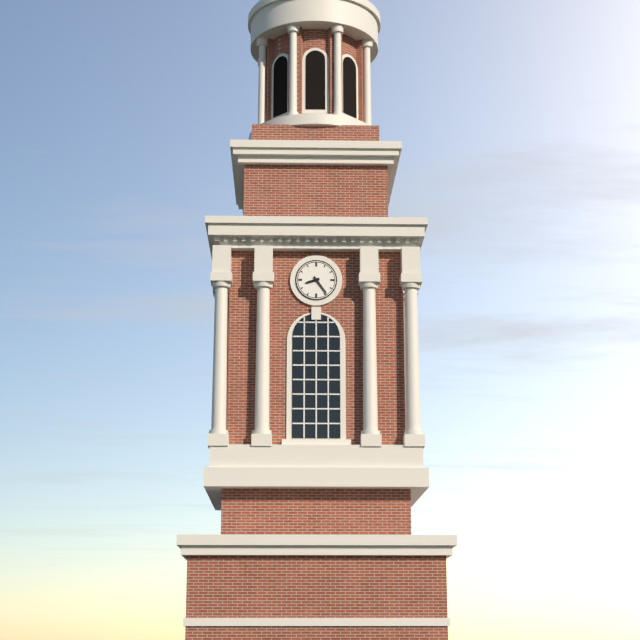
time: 8:24
